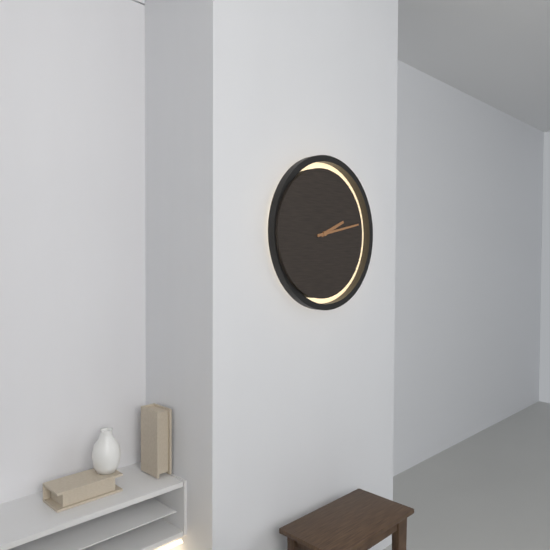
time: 2:13
